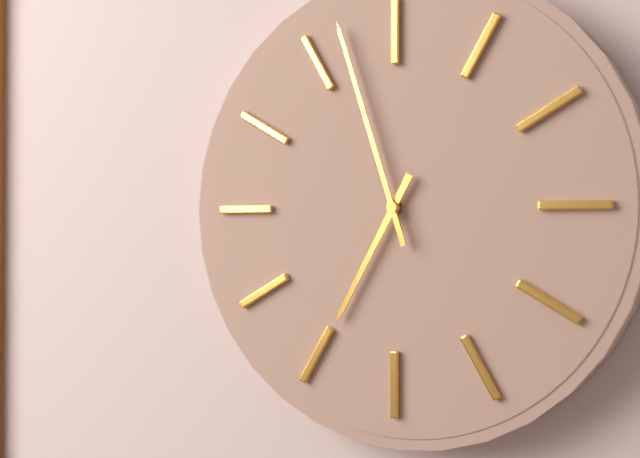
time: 6:57
